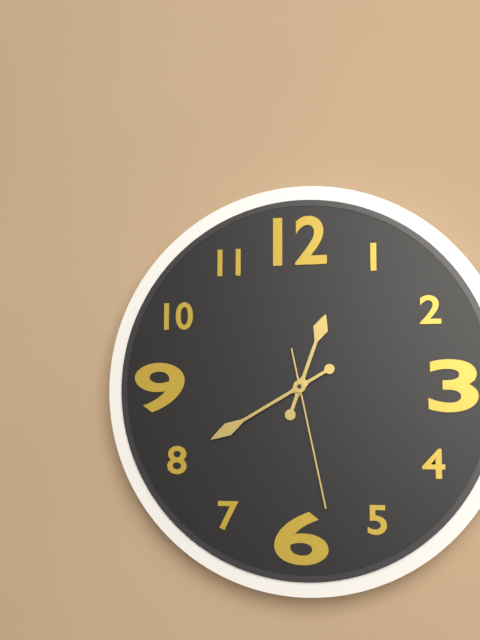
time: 12:40:28
